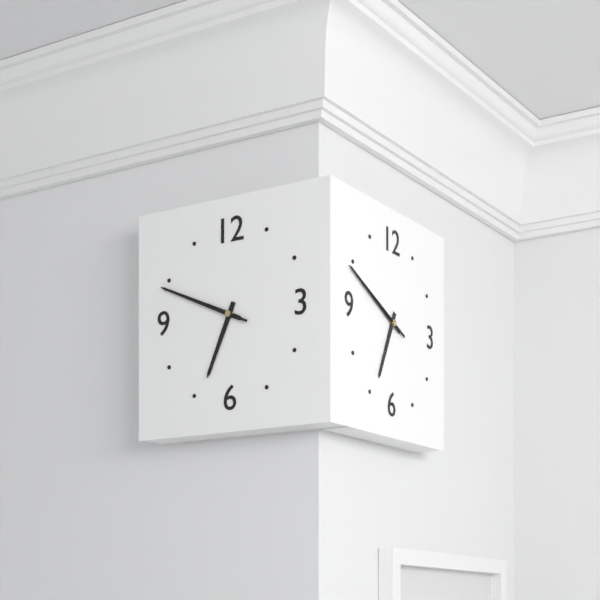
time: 6:49:49
